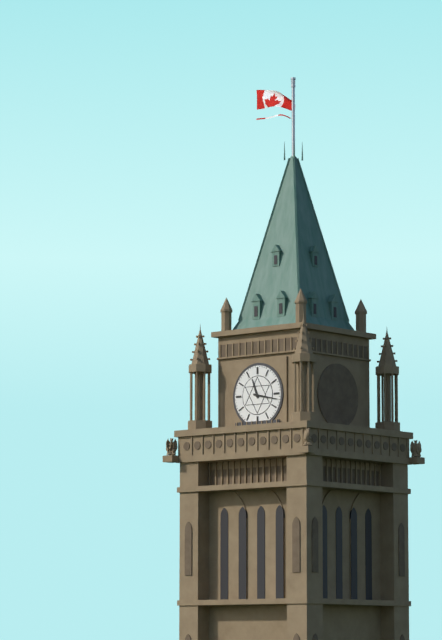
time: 11:17
